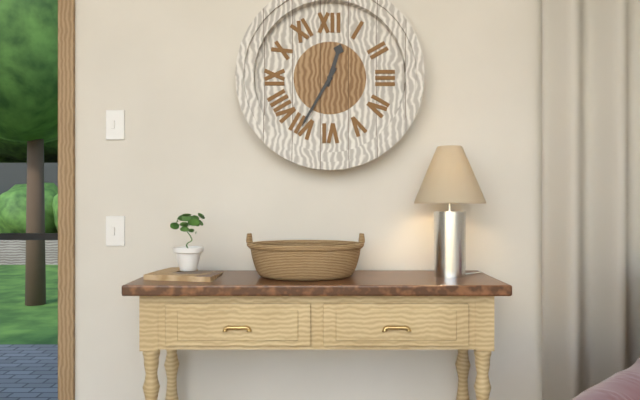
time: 12:35
